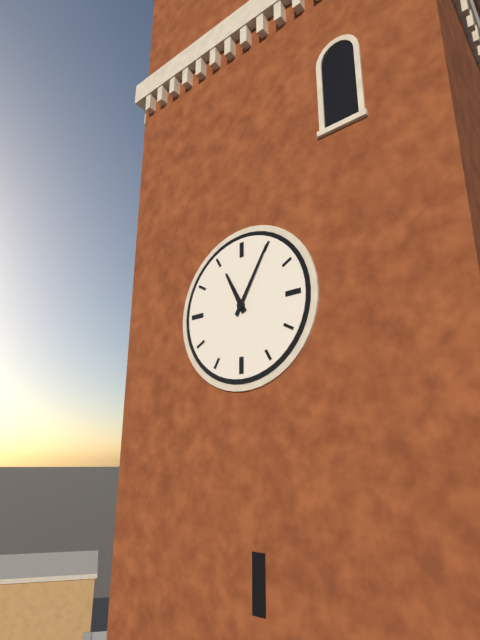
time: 11:05
